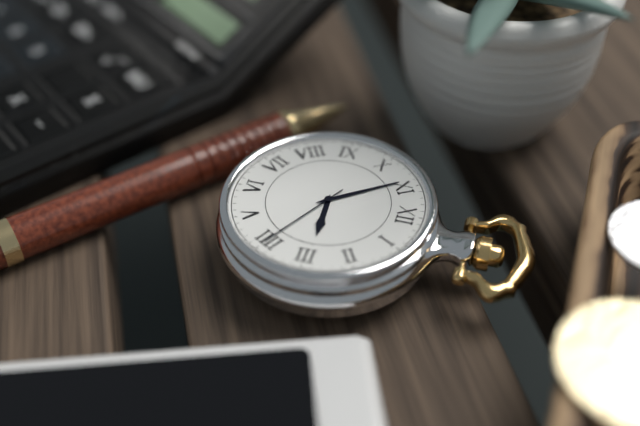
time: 2:54:20
